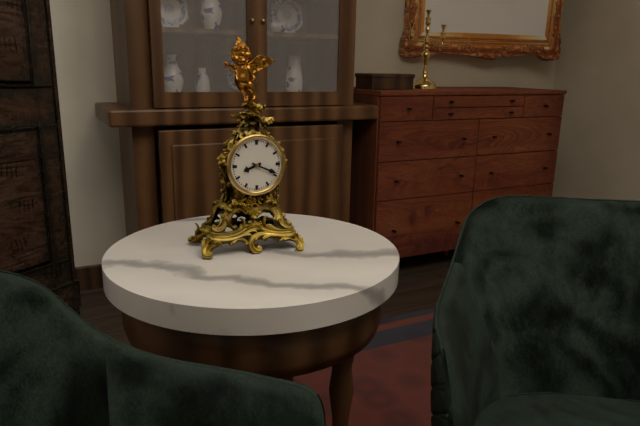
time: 8:19
